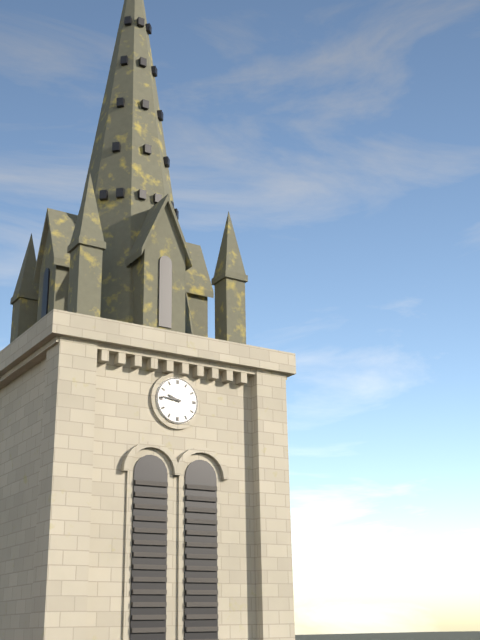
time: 9:46
